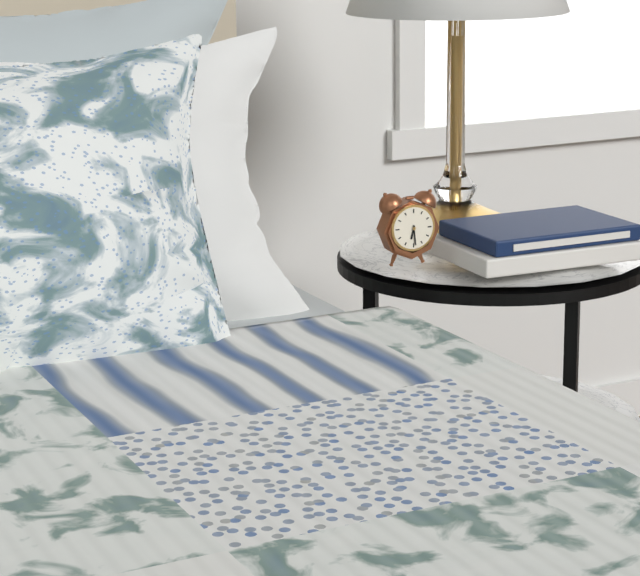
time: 6:29
